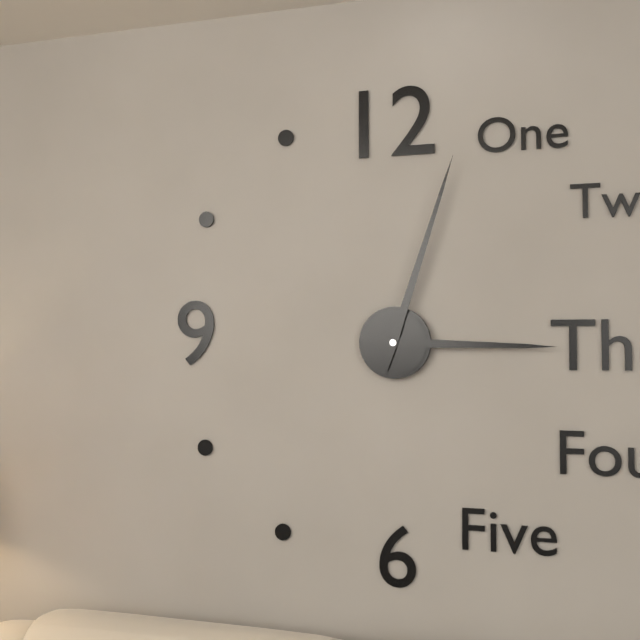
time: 3:03
